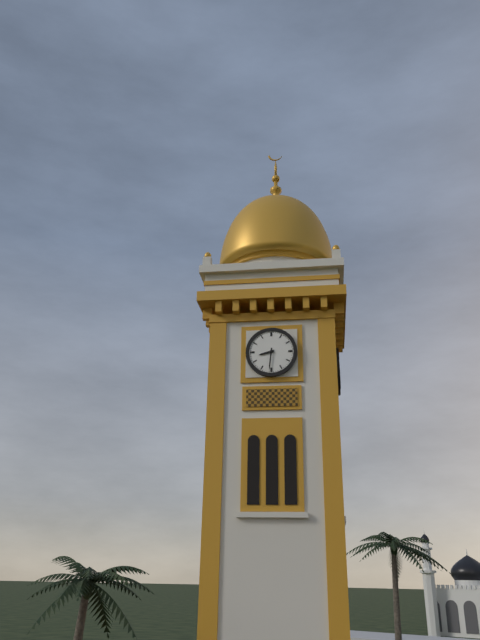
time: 8:31
